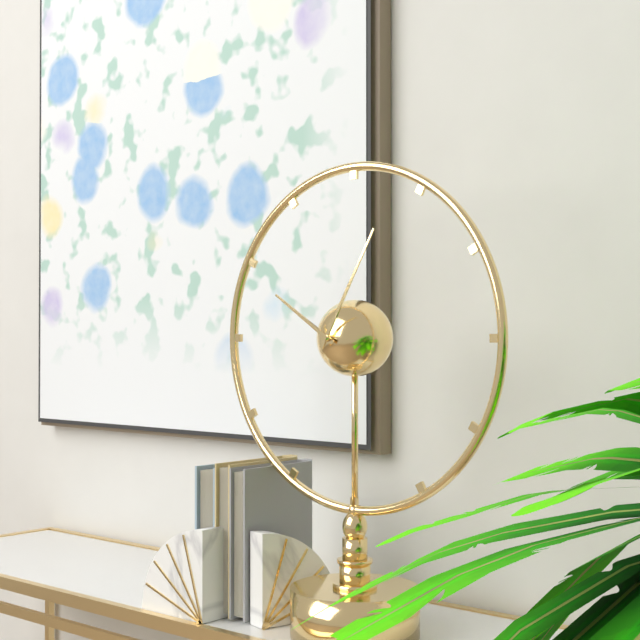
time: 10:05
